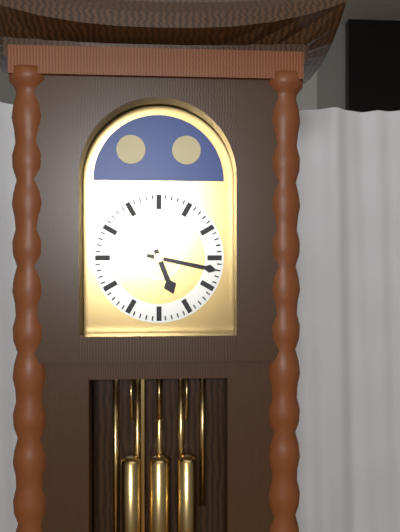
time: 5:17
